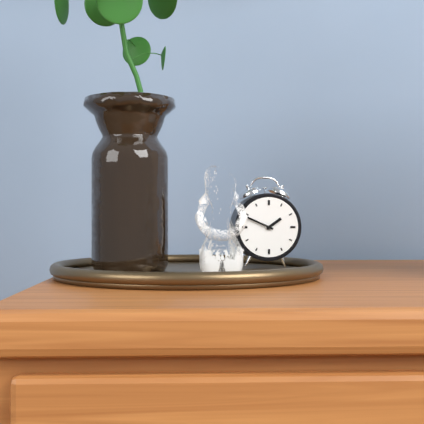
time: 1:49
